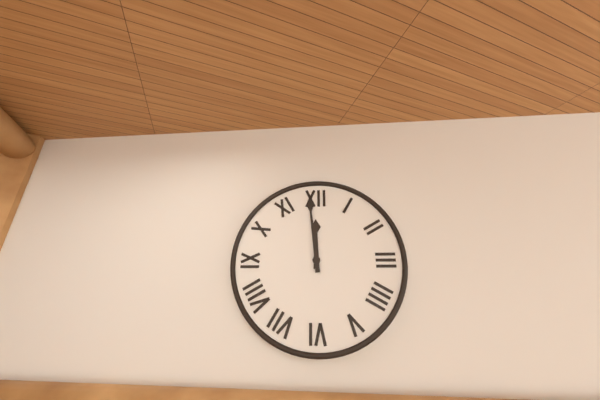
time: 11:59
